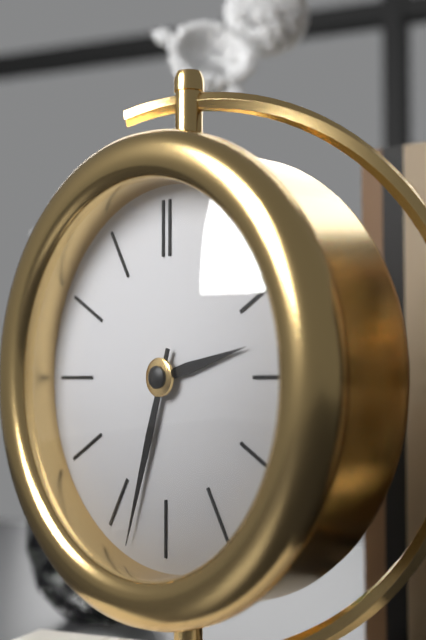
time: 2:33
